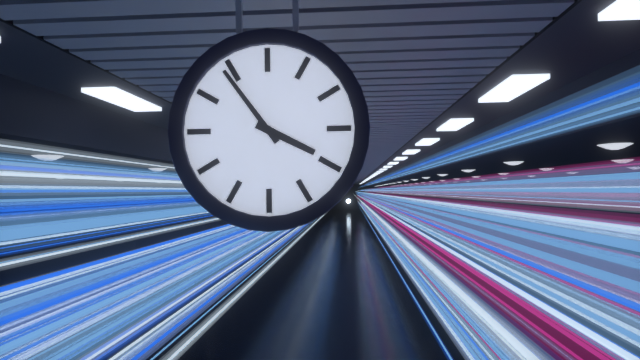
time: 3:54
